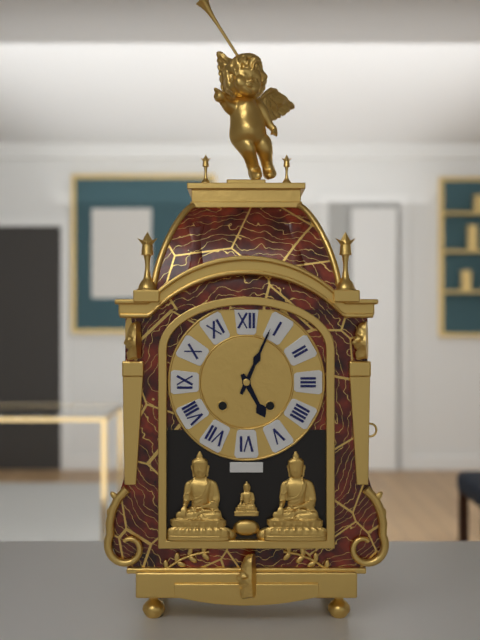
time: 5:04
